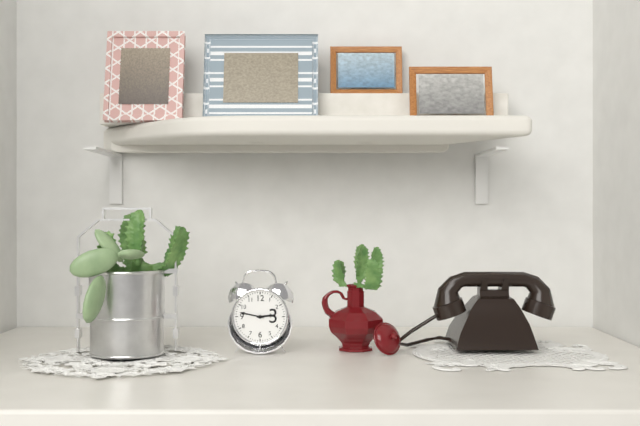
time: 2:47
